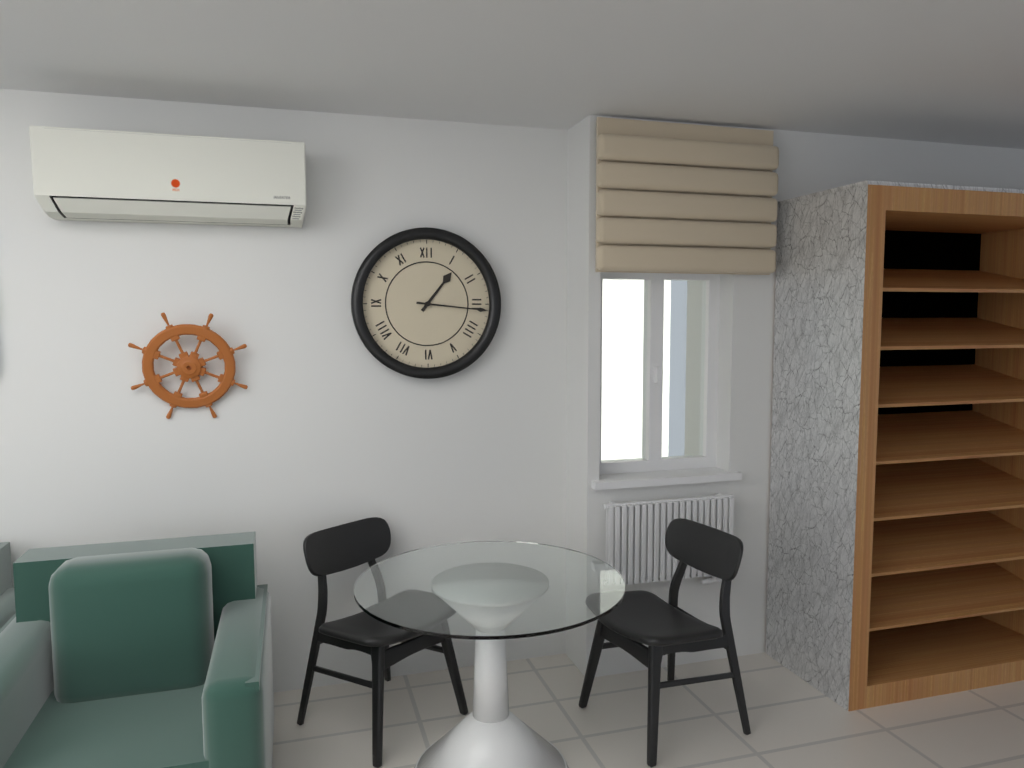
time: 1:16
